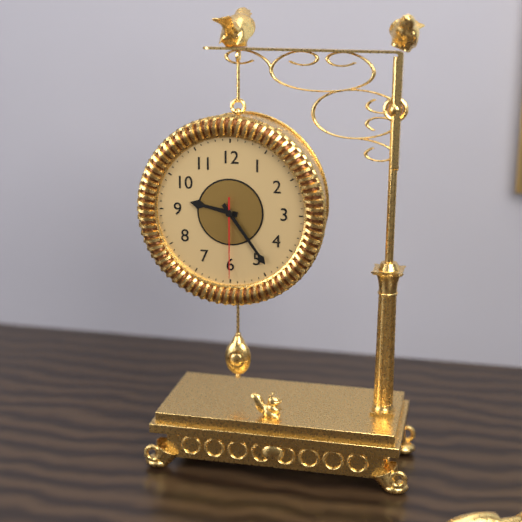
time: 9:24:30
